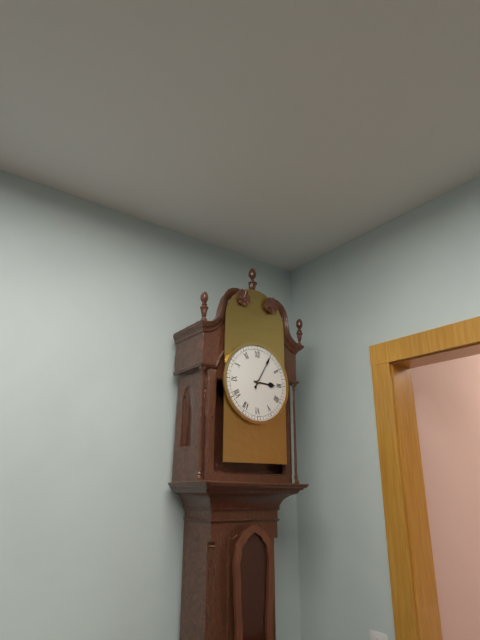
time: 3:05
